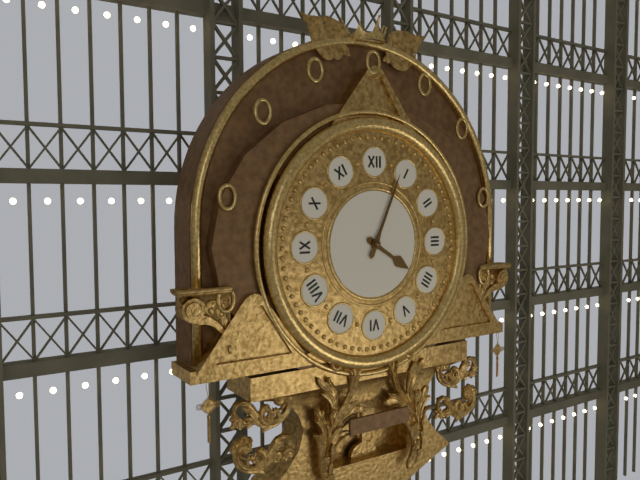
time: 4:04
